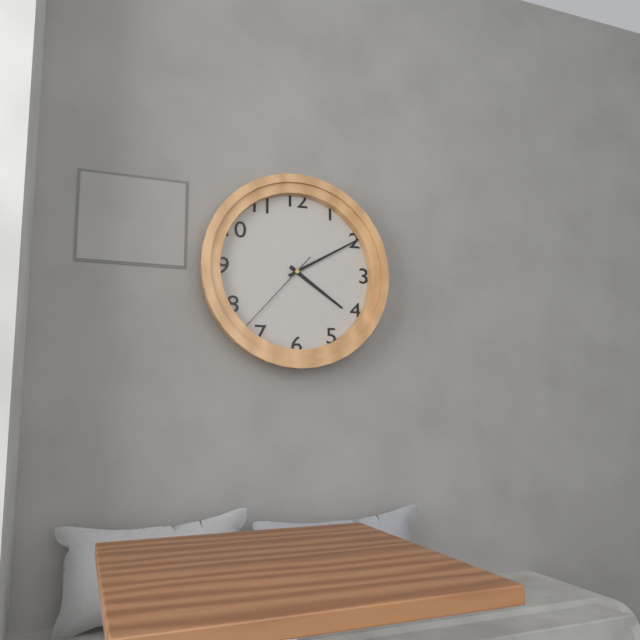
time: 4:10:37
